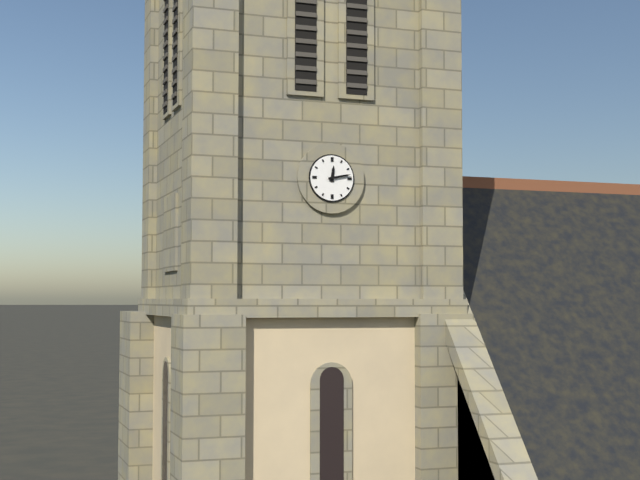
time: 12:13
